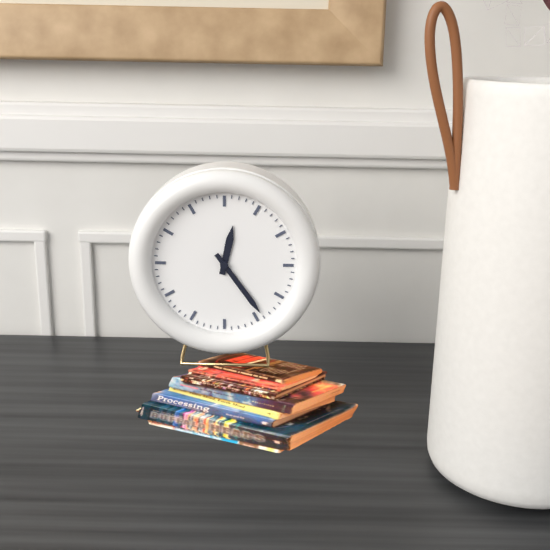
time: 12:24
